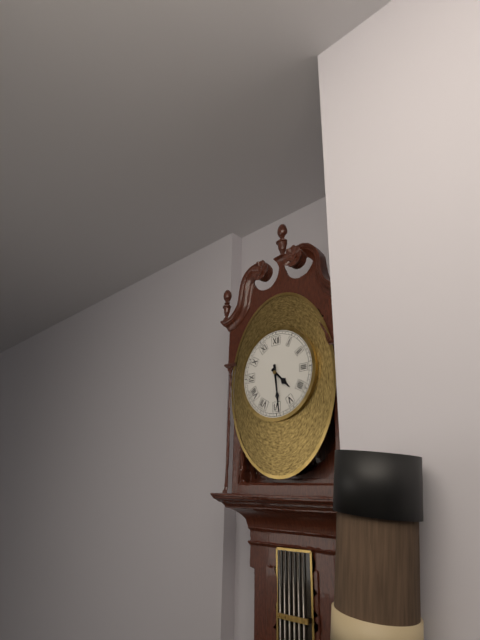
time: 4:29
